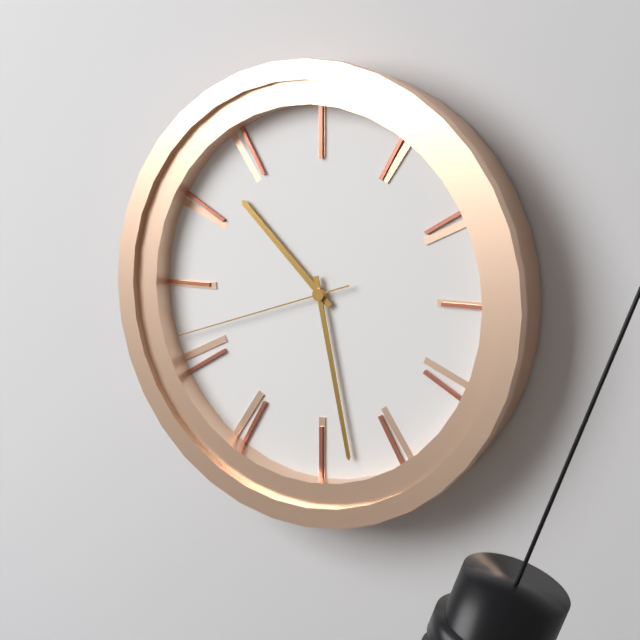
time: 10:28:42
